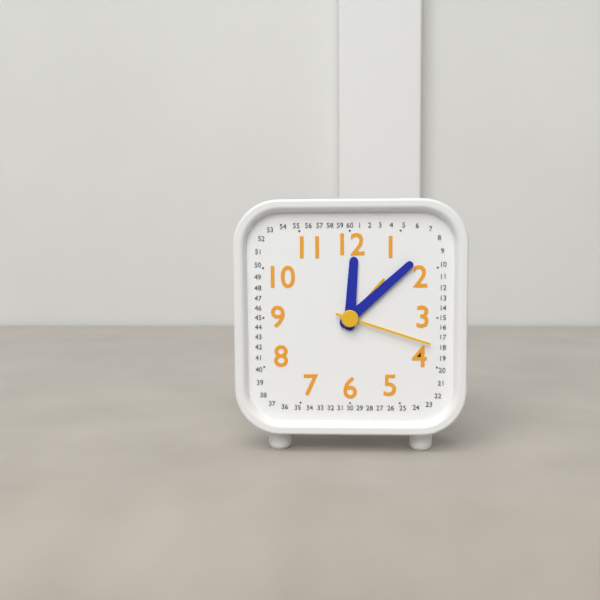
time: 12:08:18
